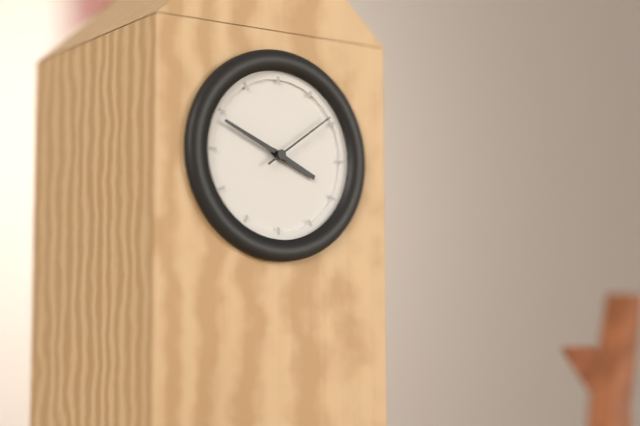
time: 3:49:09
